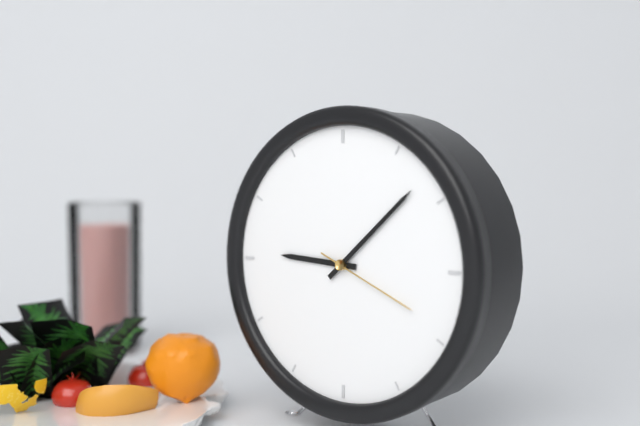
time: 9:08:19
